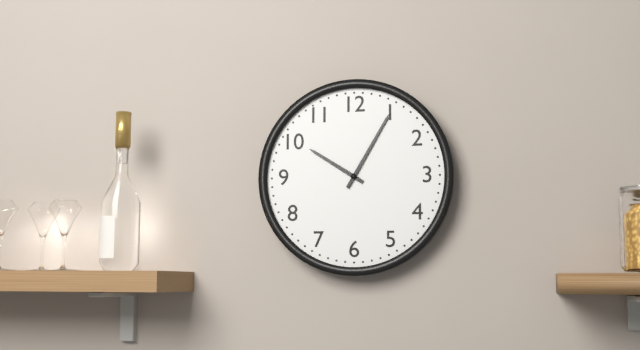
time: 10:05
